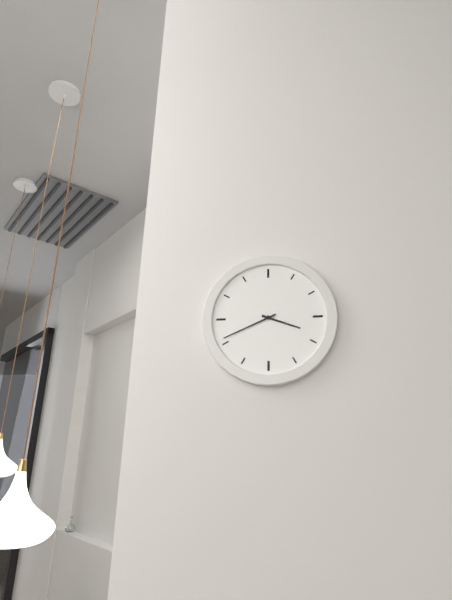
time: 3:41
